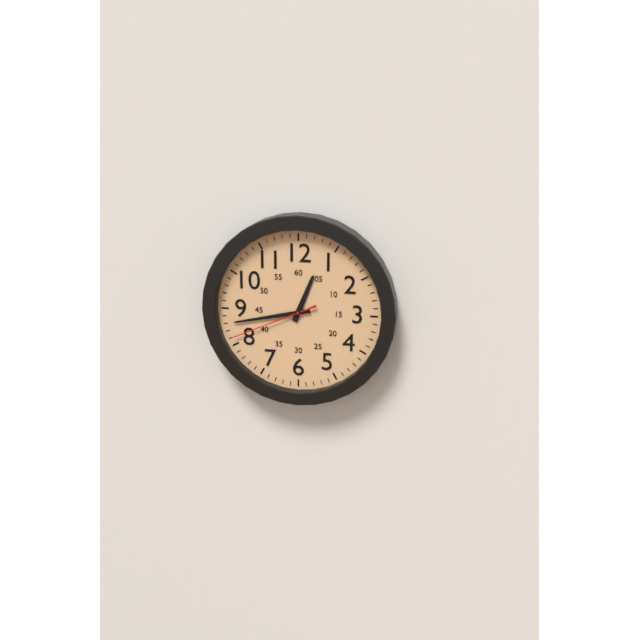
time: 12:43:41
